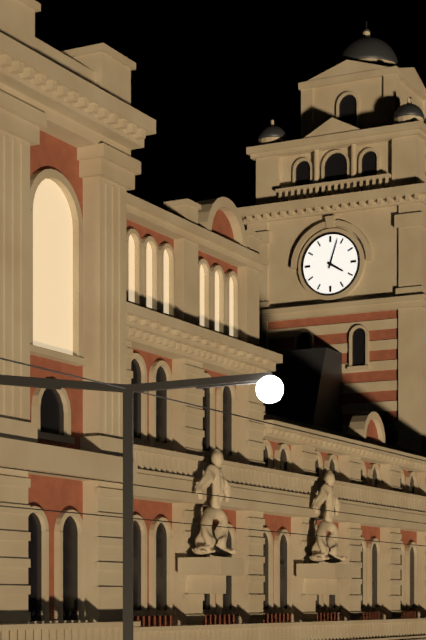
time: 4:03
